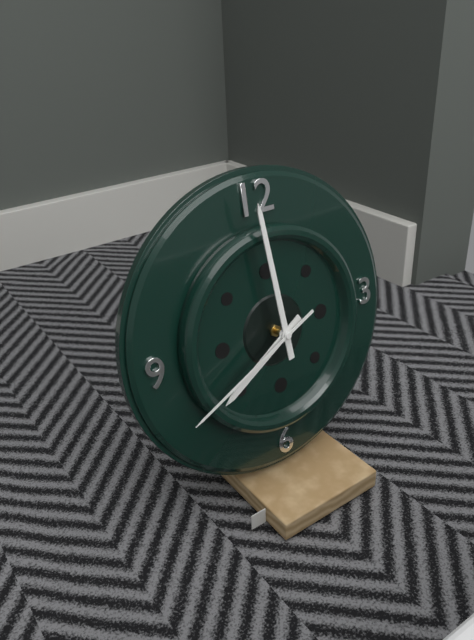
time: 7:59:41
